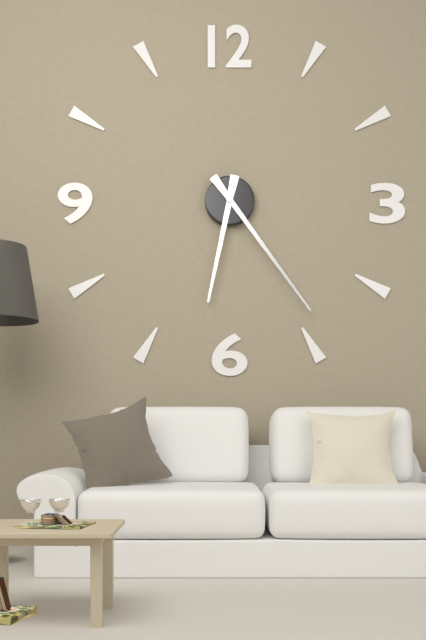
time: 6:24
